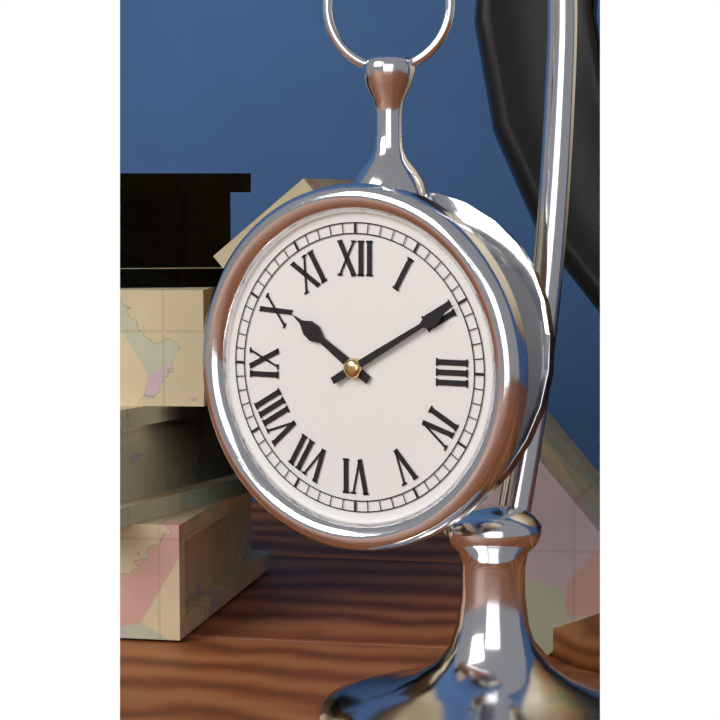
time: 10:10
